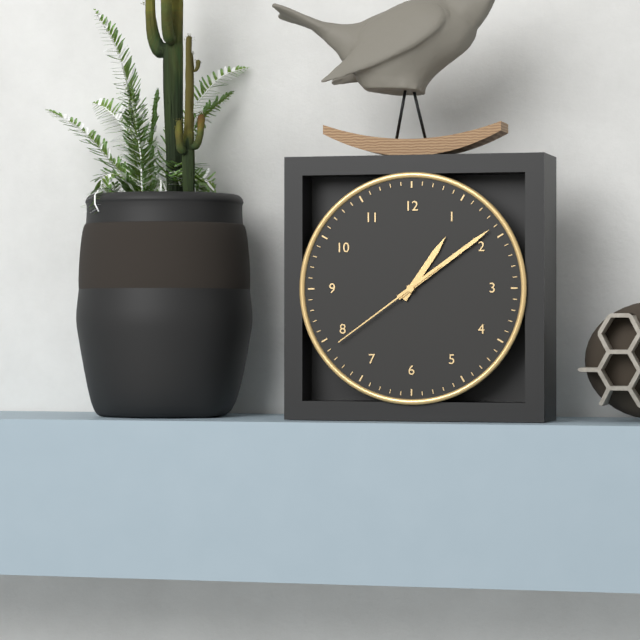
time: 1:09:39
